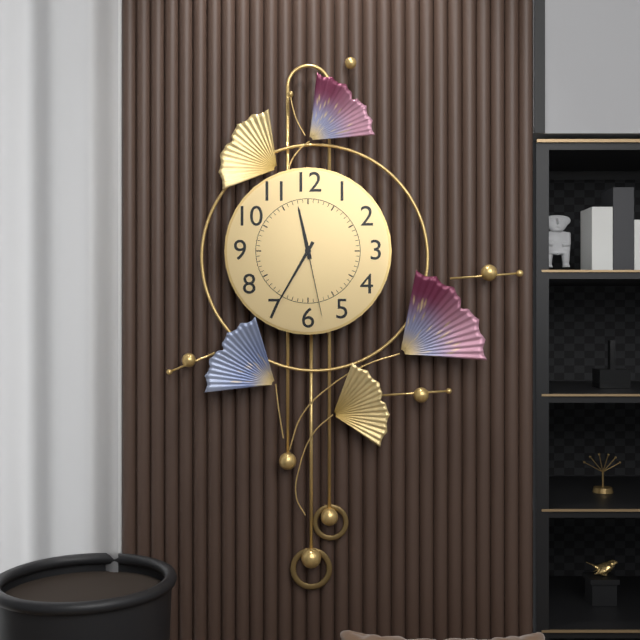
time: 11:35:28
